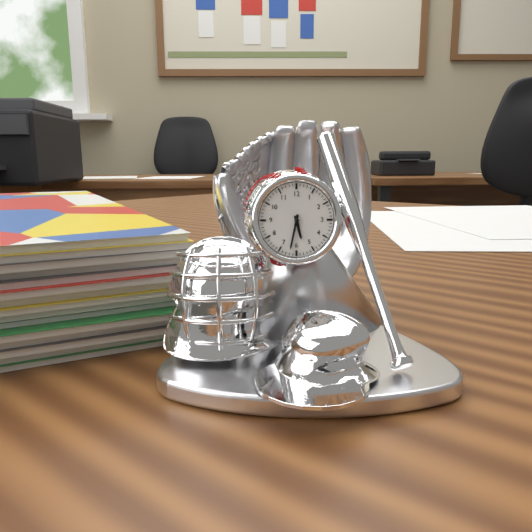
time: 5:32
